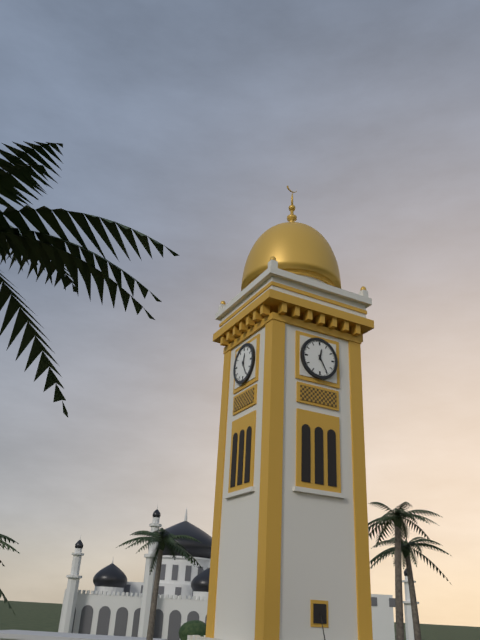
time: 12:25
